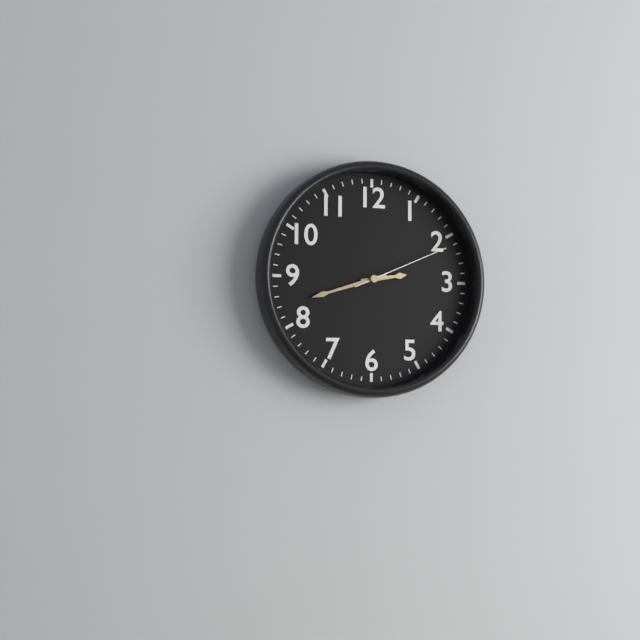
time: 2:42:11
